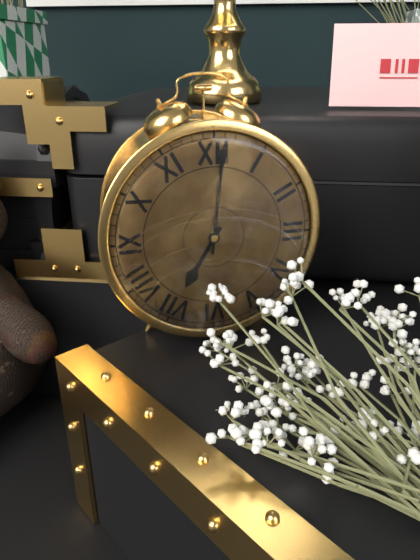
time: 7:01
